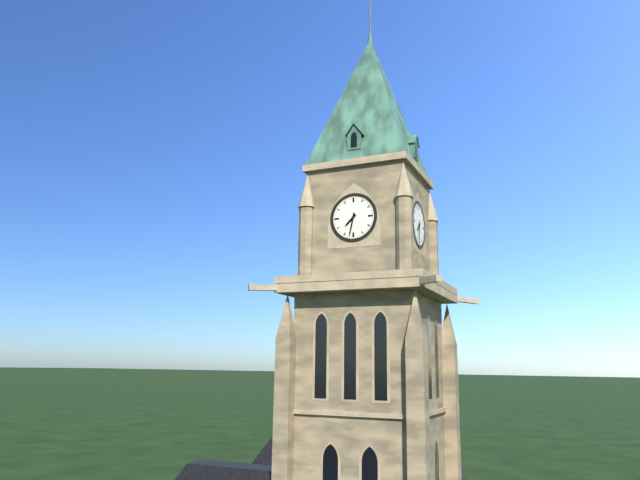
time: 7:32
